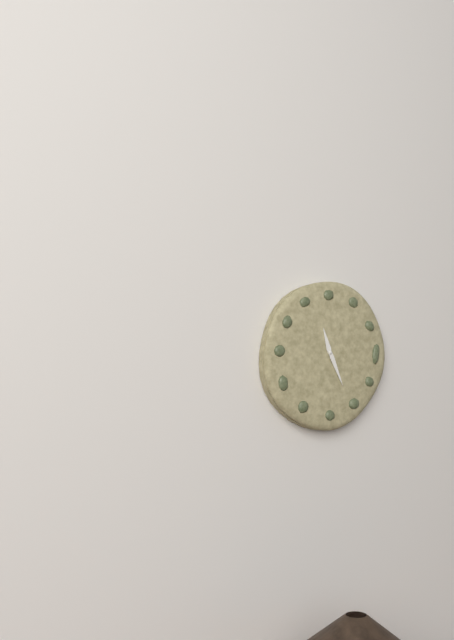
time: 11:26
